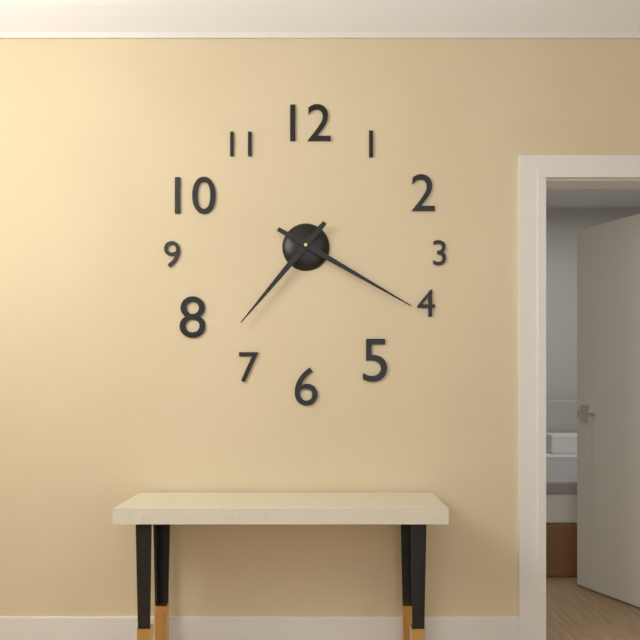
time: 7:20
